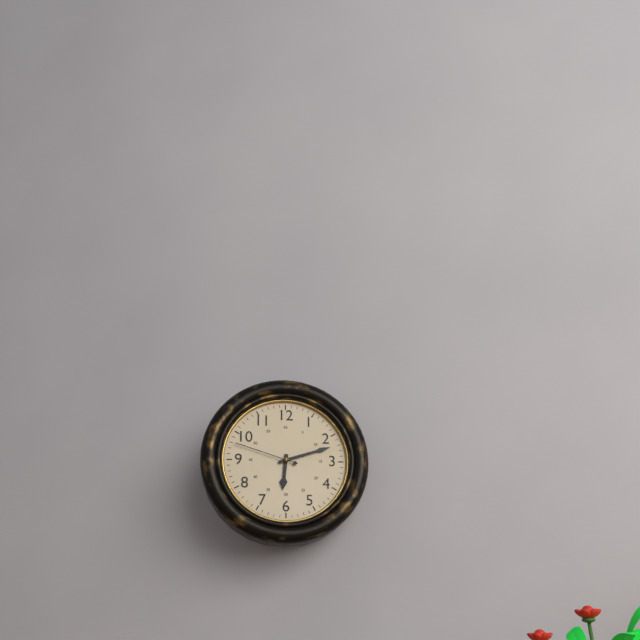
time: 6:12:48
